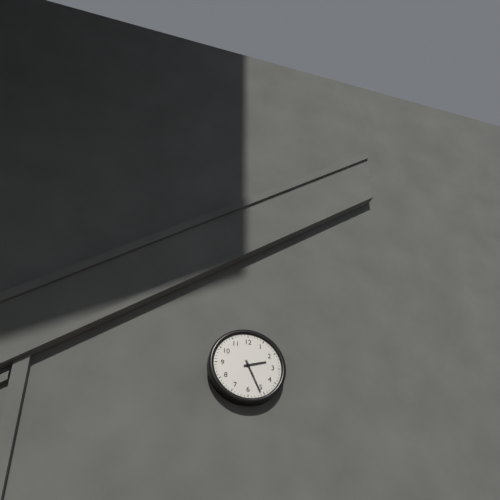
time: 2:26
